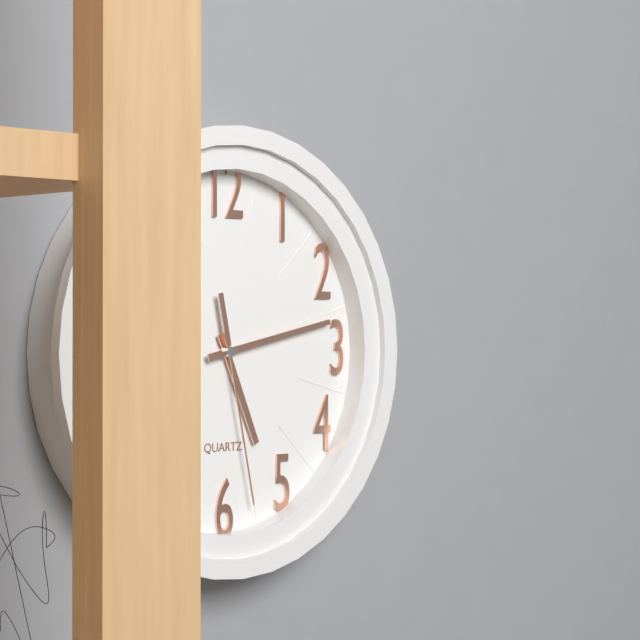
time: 5:13:28
